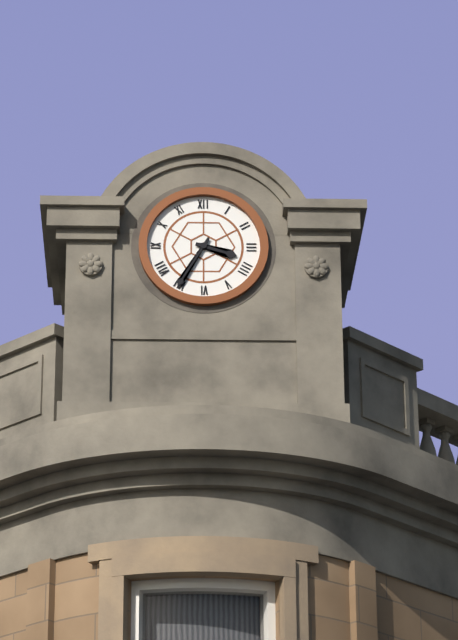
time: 3:35
